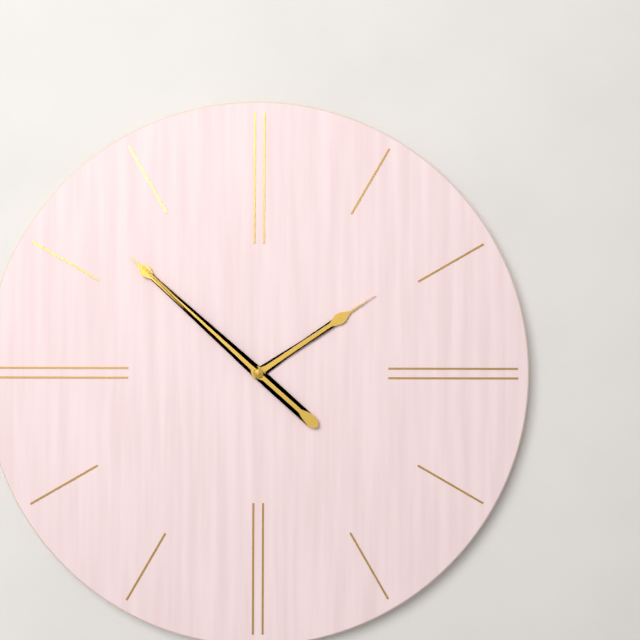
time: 1:52
